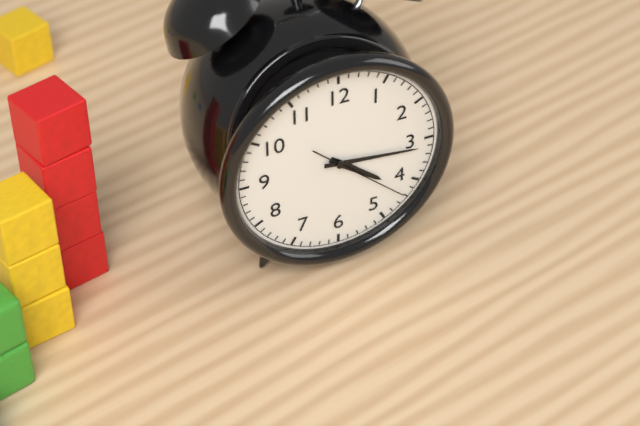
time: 4:16:22
